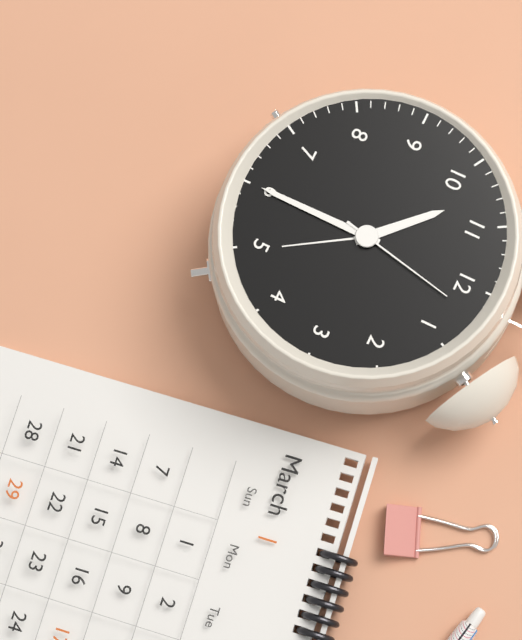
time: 10:30:02
